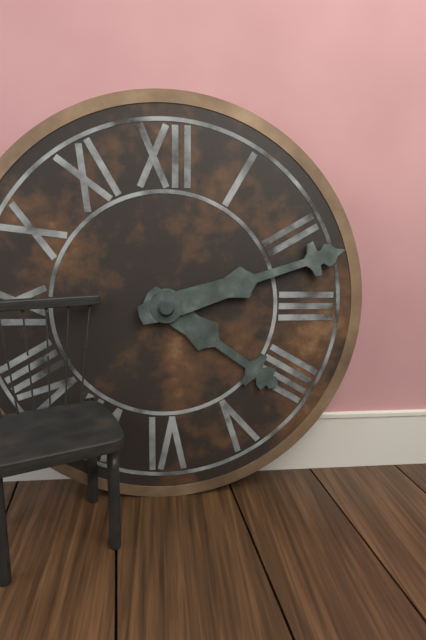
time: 4:12
